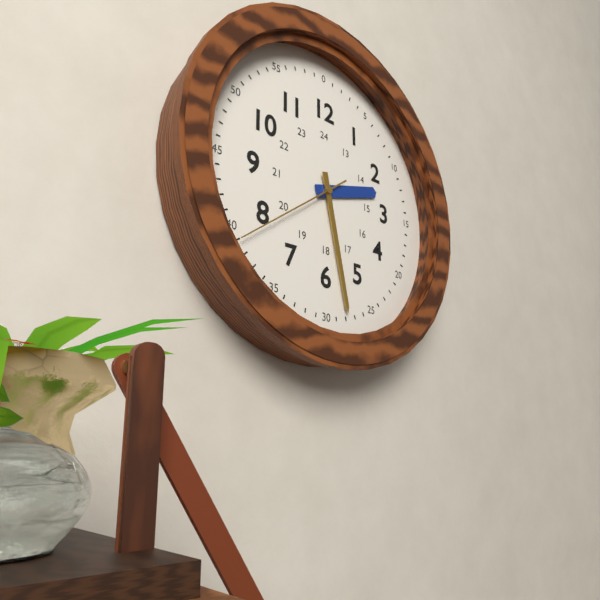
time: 2:28:39
